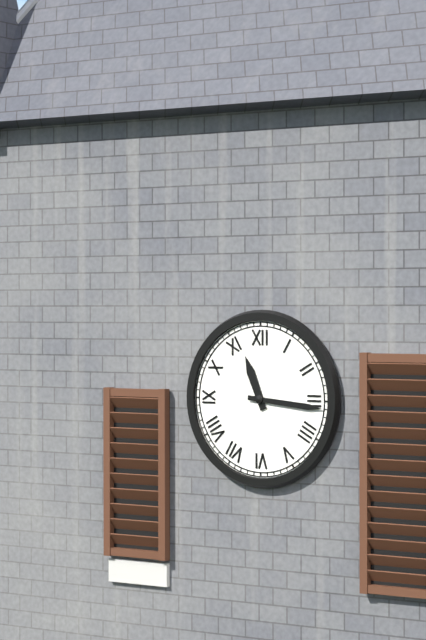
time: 11:16
